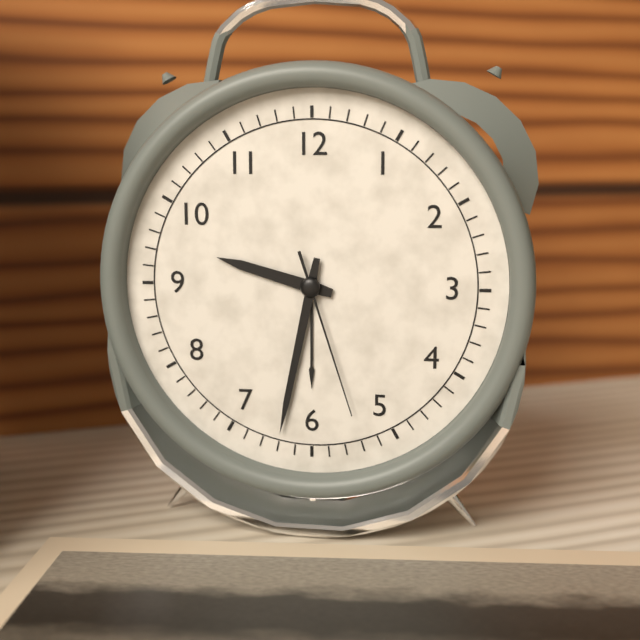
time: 9:32:27
